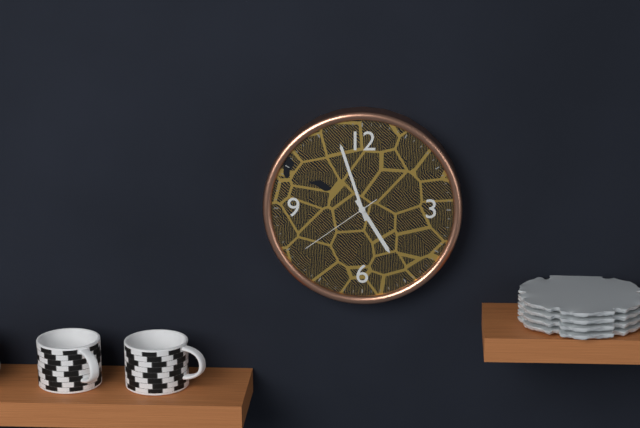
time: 4:57:39
